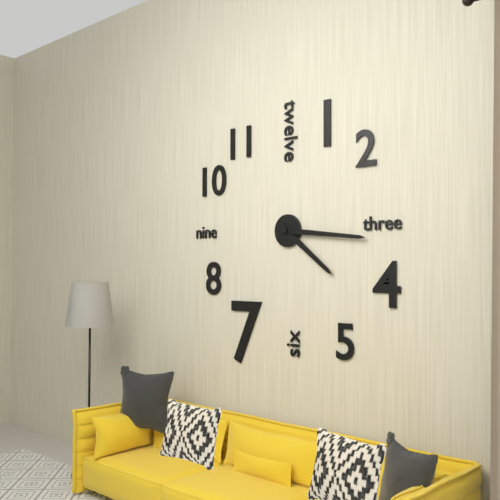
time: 4:16
